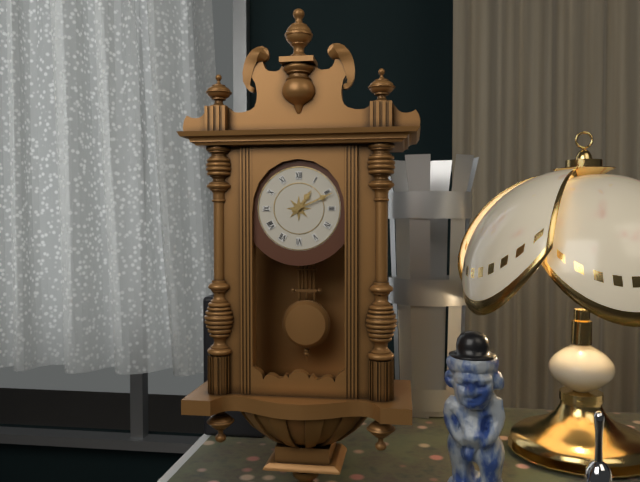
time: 1:11
